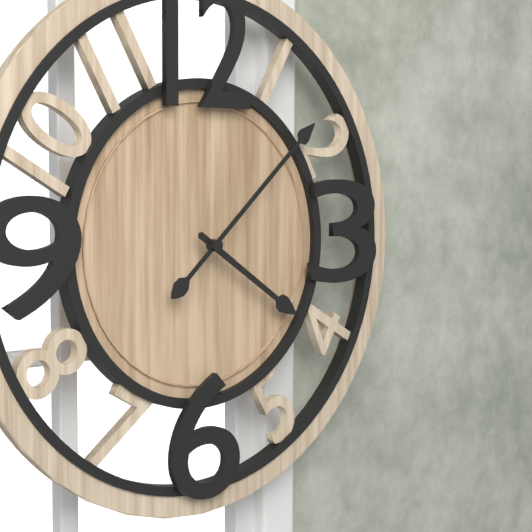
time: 4:08
